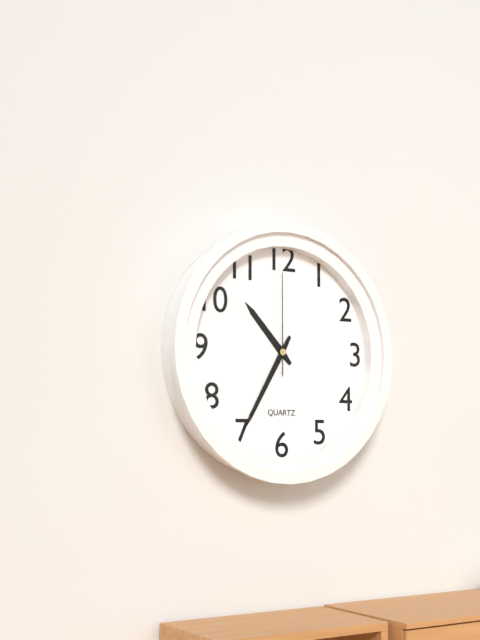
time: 10:35:00
